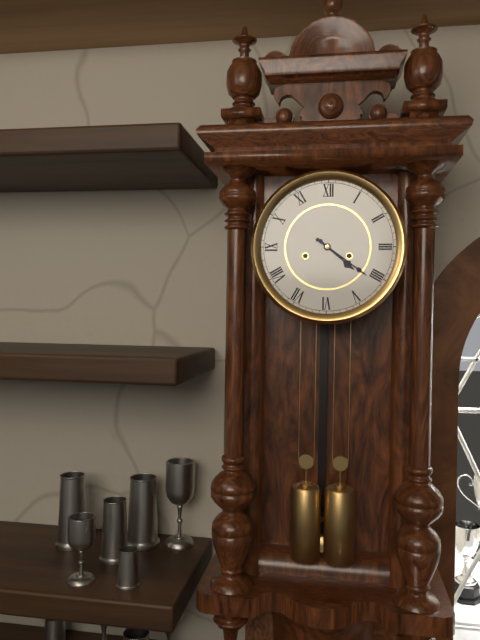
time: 4:21
